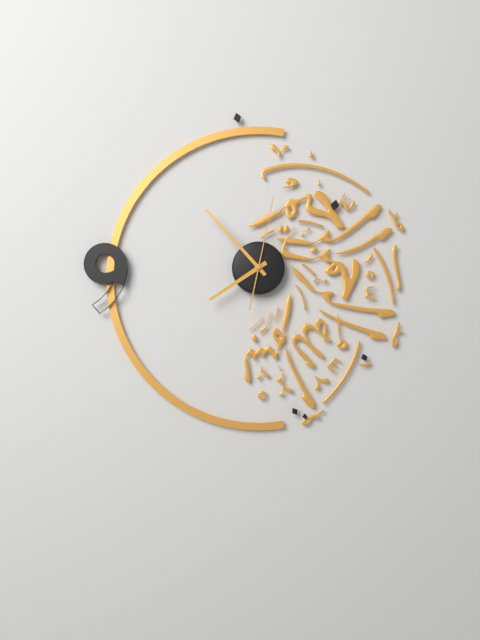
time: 7:53:02
